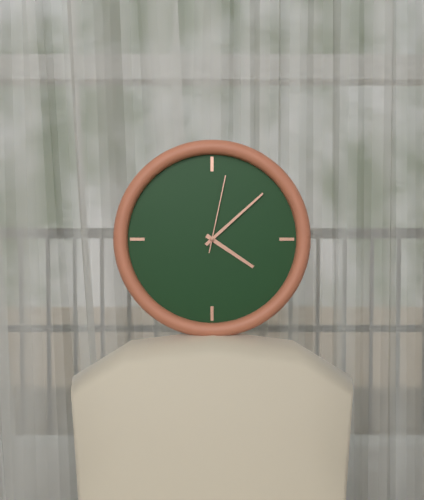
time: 4:08:02
